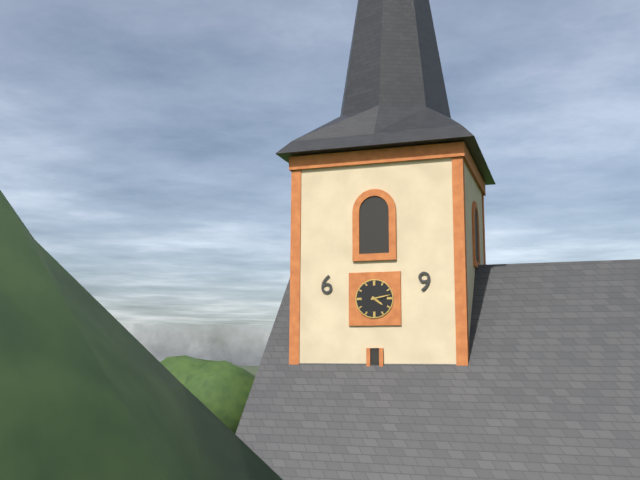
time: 4:13
